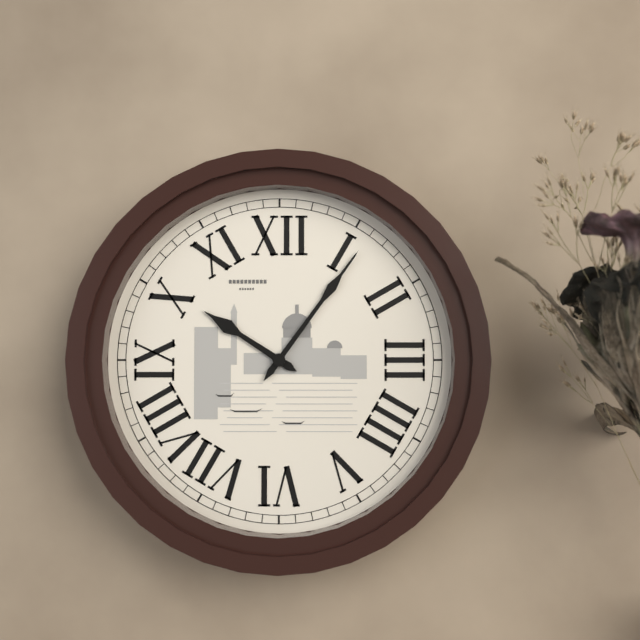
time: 10:06
